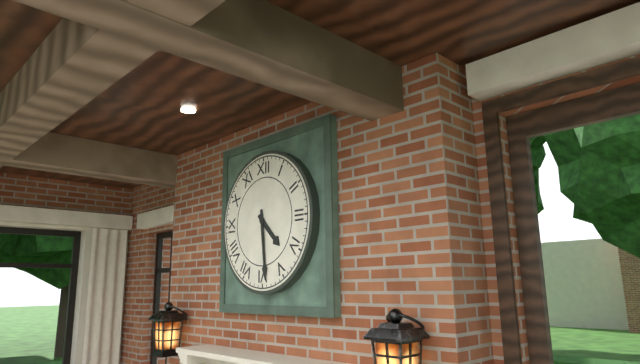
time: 4:29
